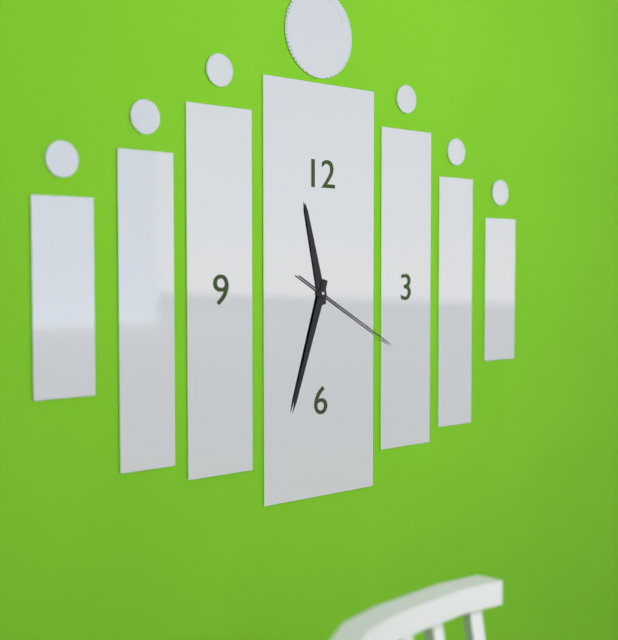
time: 11:33:20
